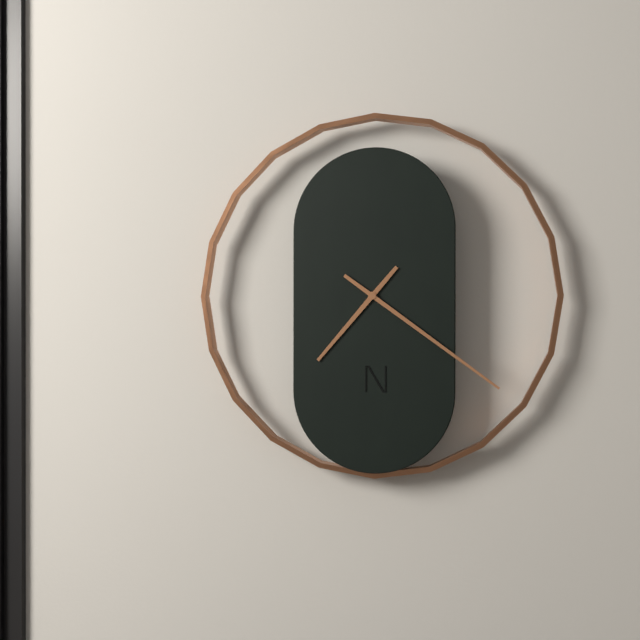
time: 7:21
